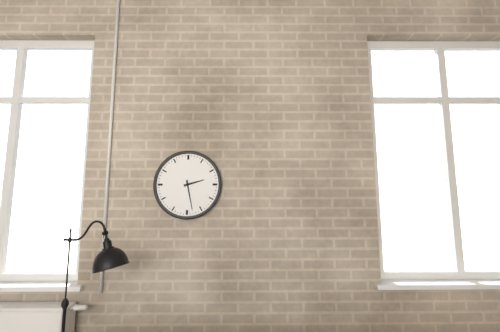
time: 2:28
